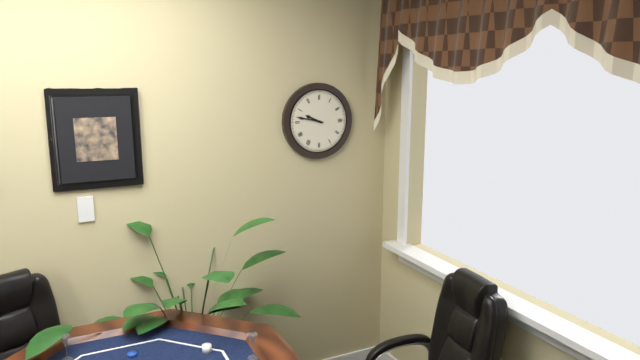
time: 9:47
